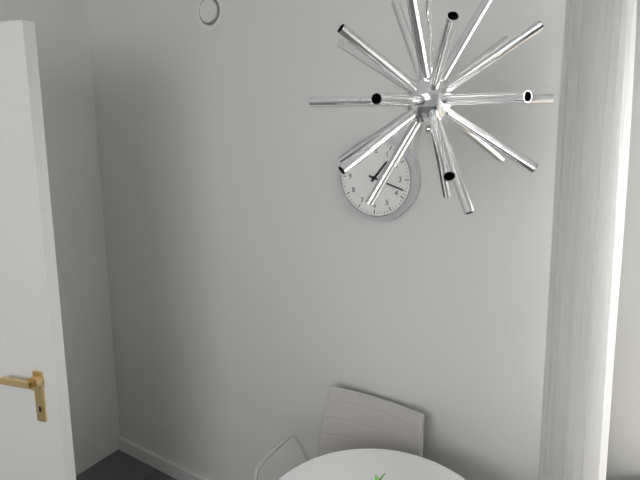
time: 1:18
